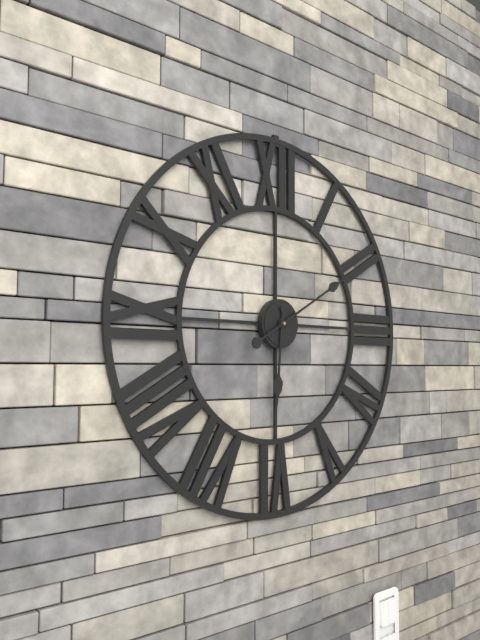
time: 6:10
